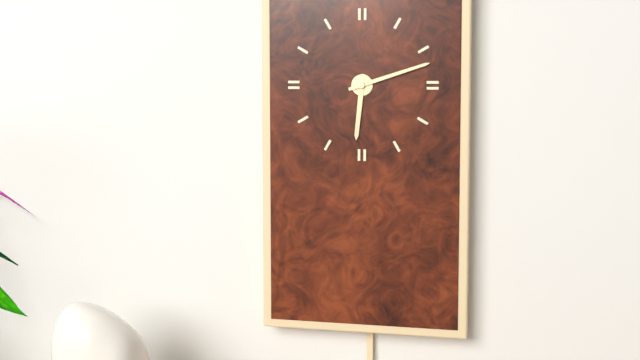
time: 6:12
